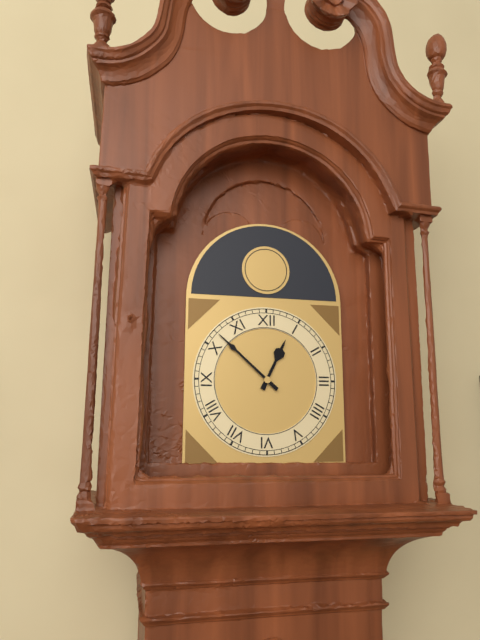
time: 12:52
